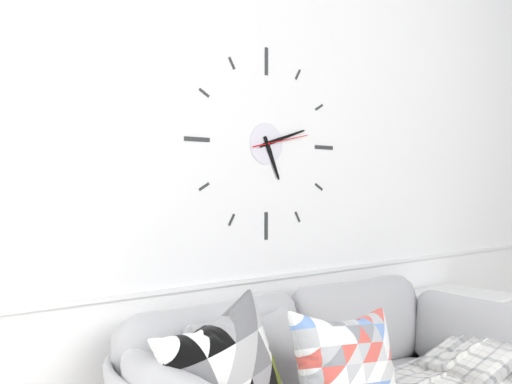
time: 5:12:13
